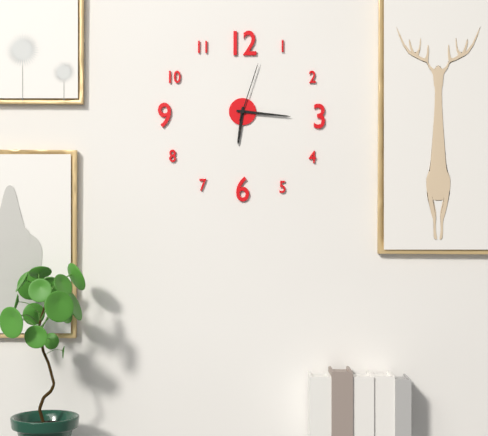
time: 6:16:03
